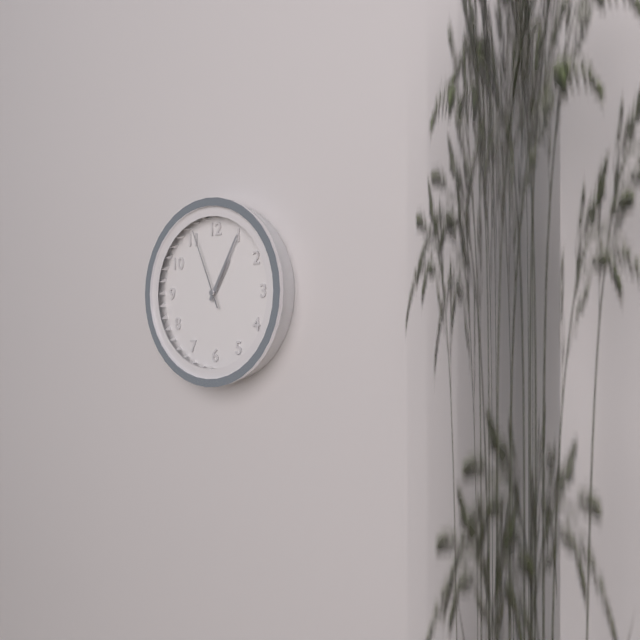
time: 1:05:56
